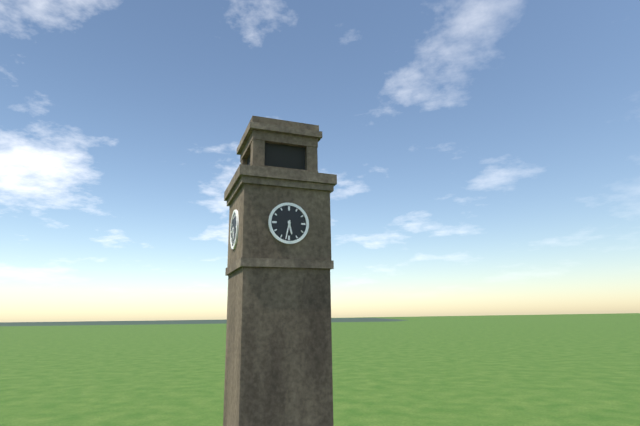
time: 5:32
